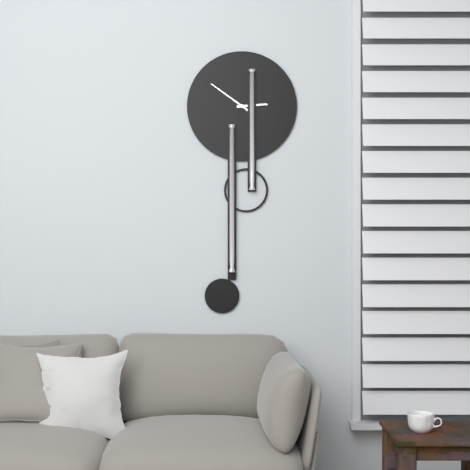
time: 2:51
